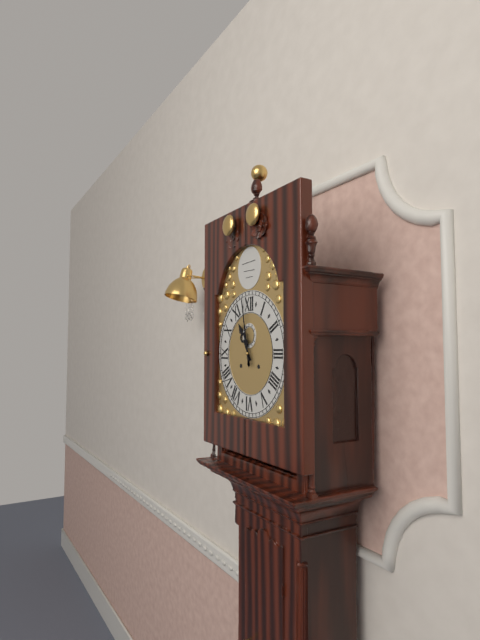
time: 10:58
